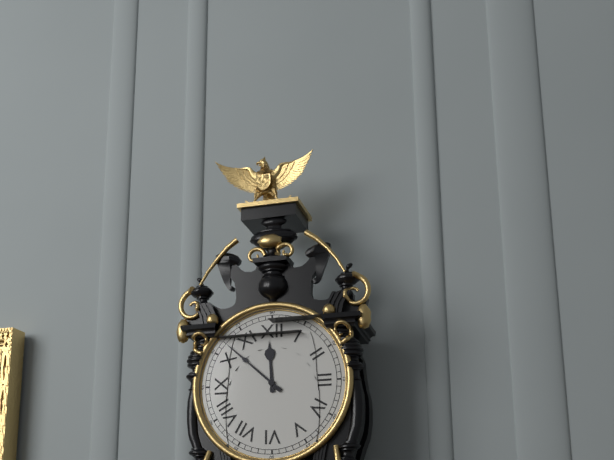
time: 11:52
